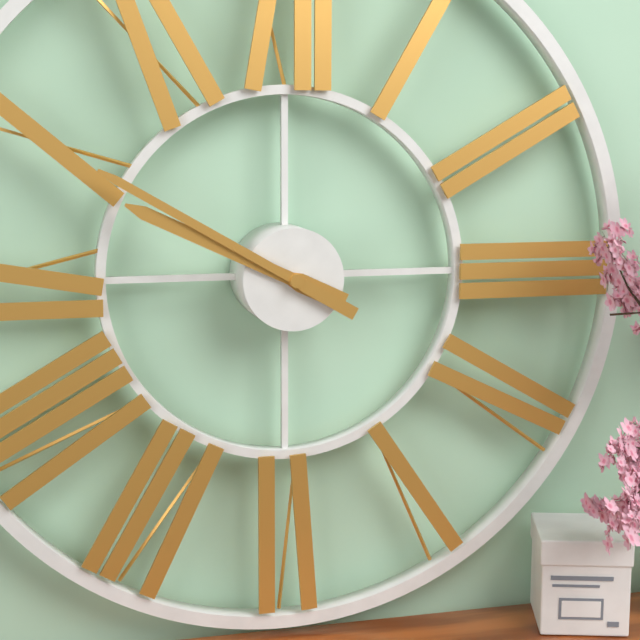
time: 9:50
